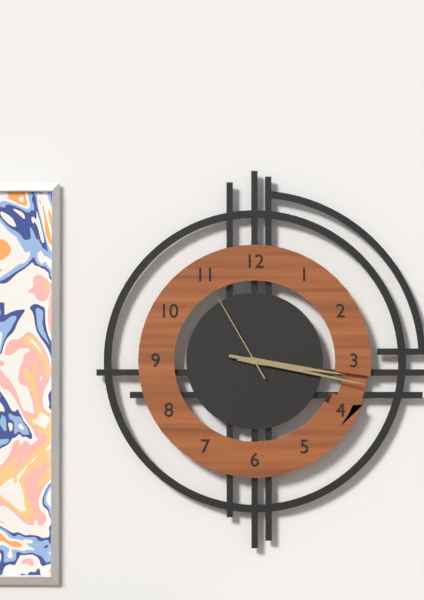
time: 3:17:55
